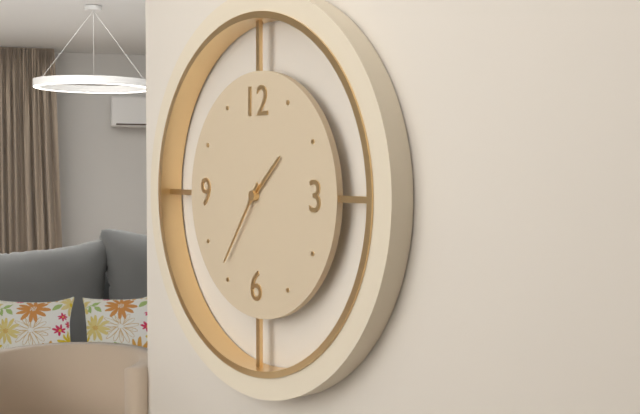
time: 1:36
